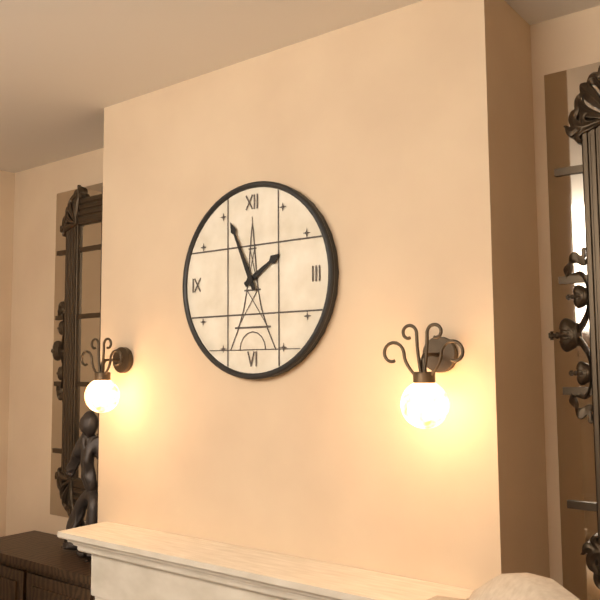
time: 1:56
